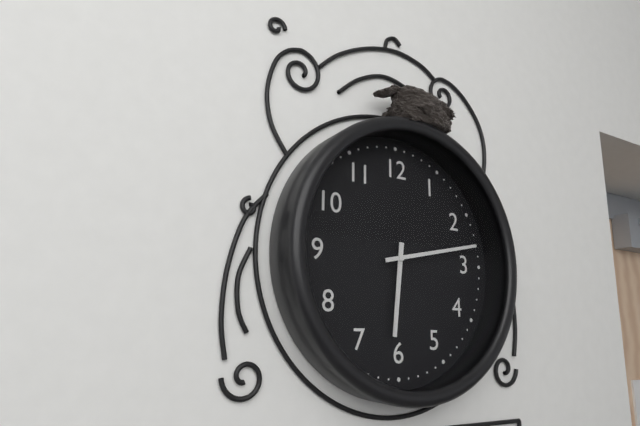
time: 6:13
